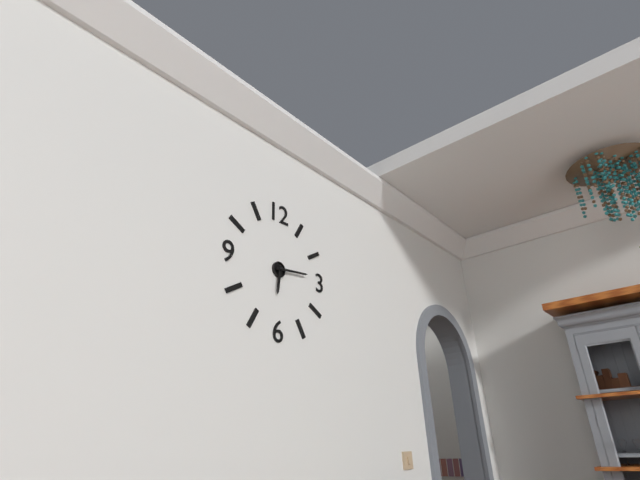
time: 6:14
